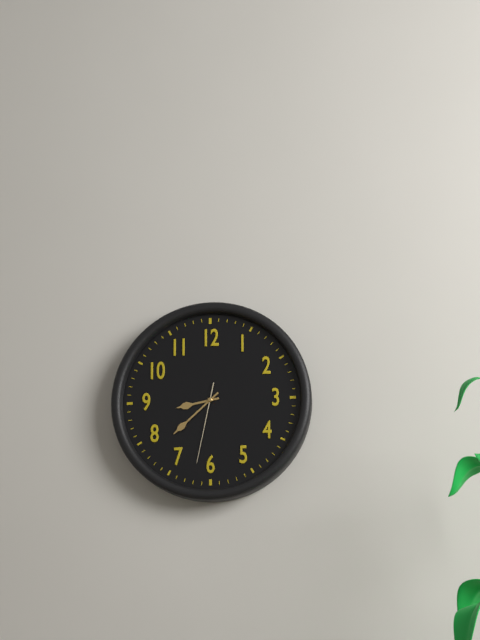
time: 8:38:32
